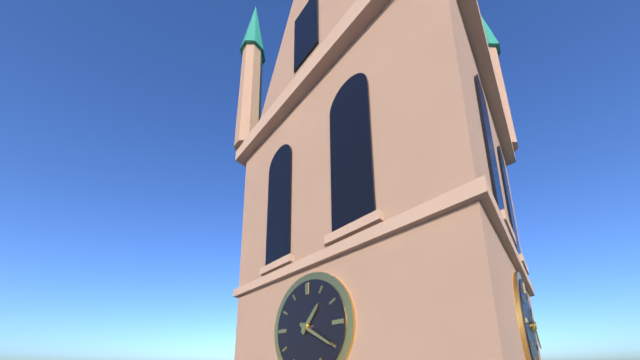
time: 1:20
